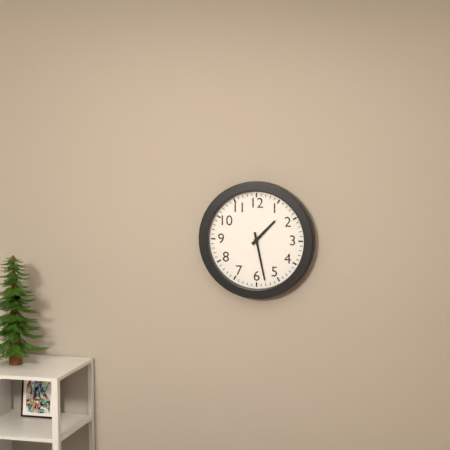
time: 1:28
